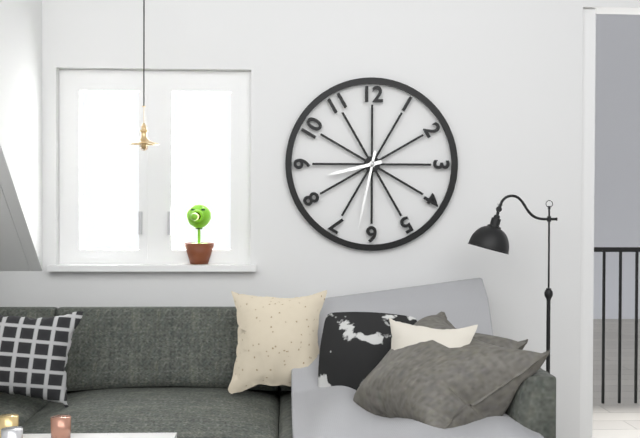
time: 8:32
